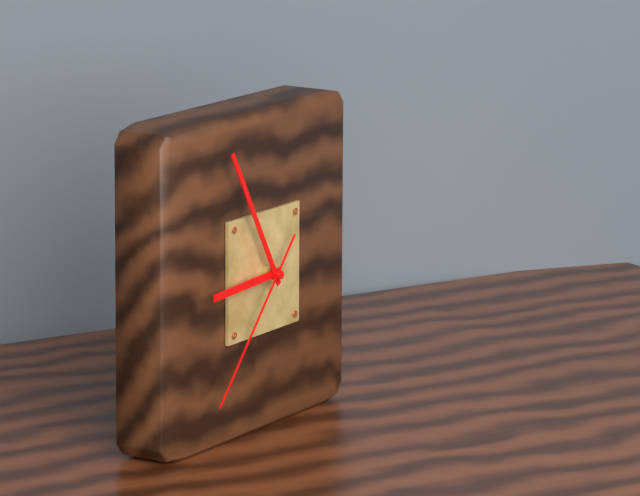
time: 8:55:37
